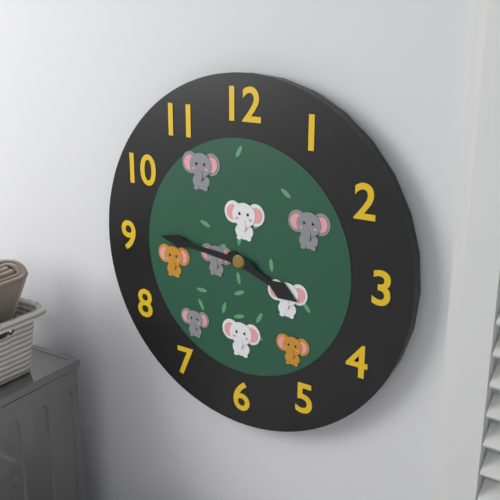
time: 3:46
